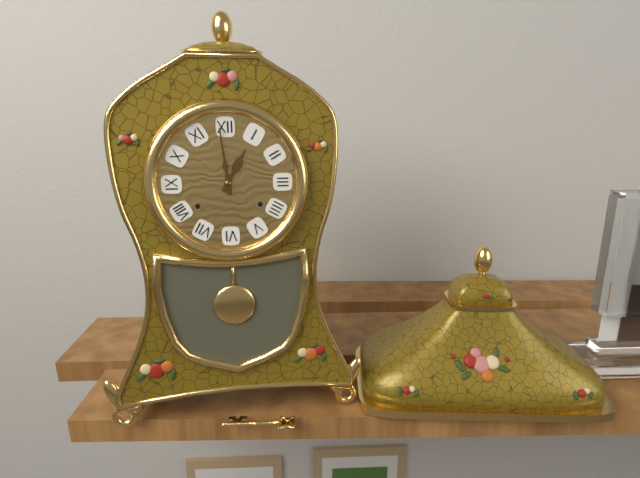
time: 12:59
